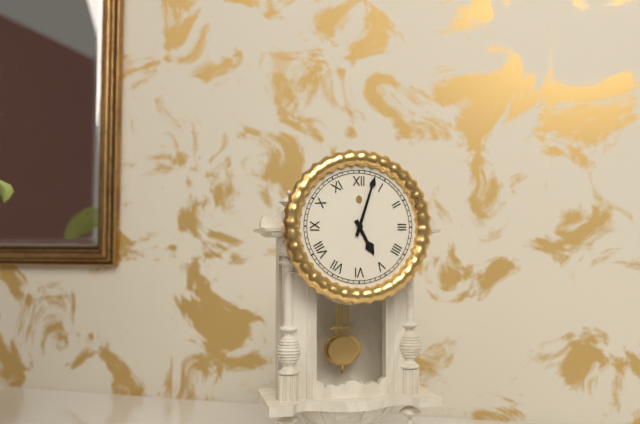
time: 5:03
